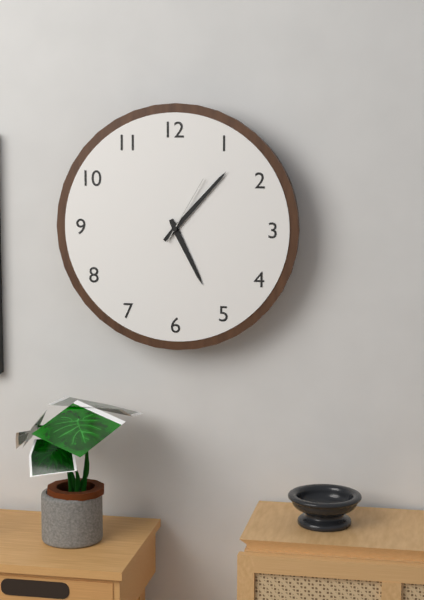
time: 5:07:05
